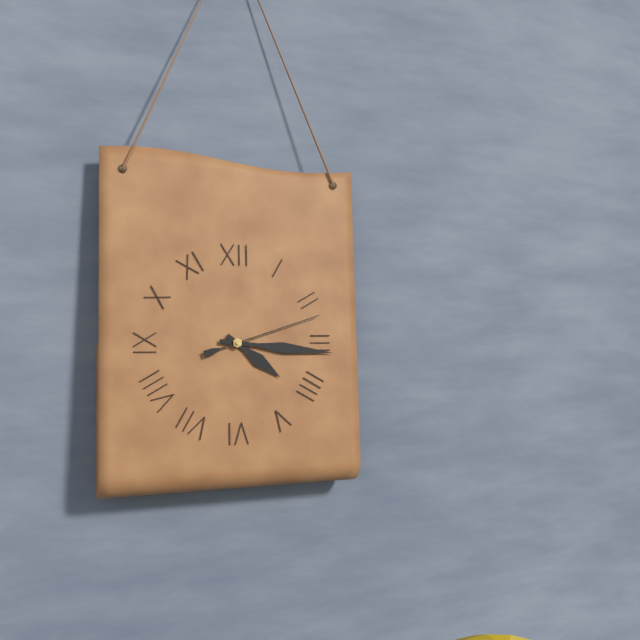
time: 4:16:12
